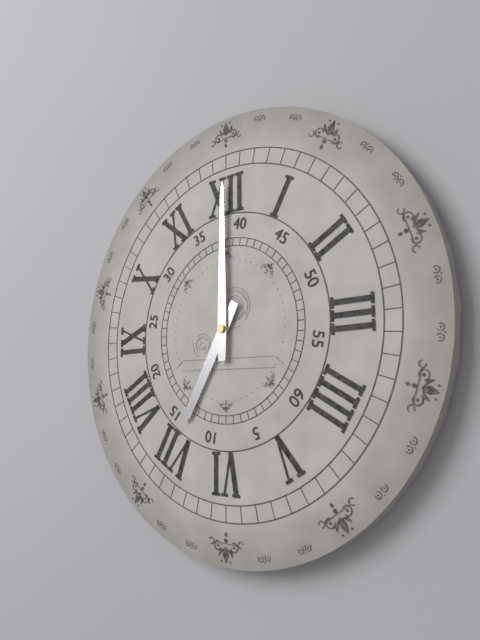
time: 7:00
